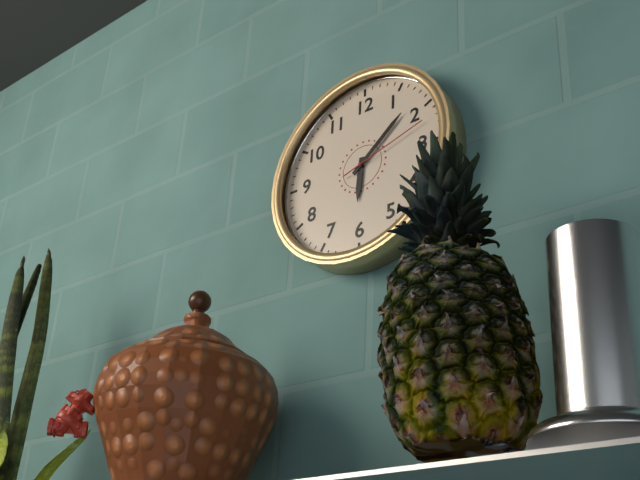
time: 6:08:12
